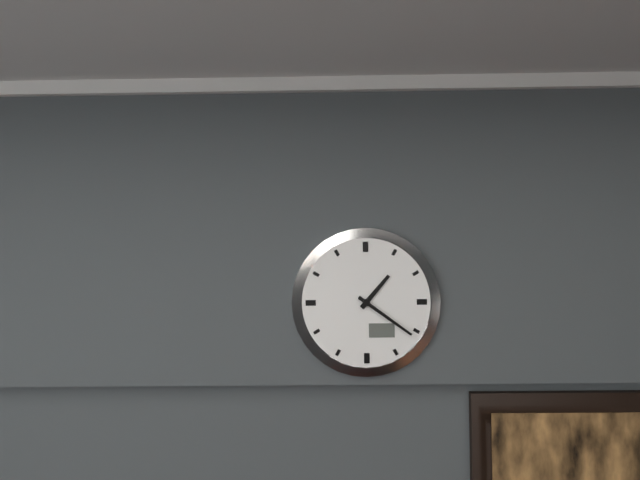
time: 1:21
